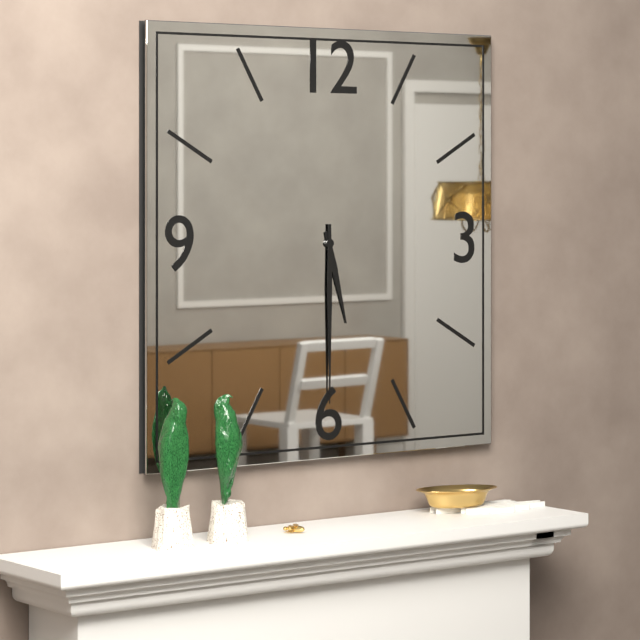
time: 5:30
